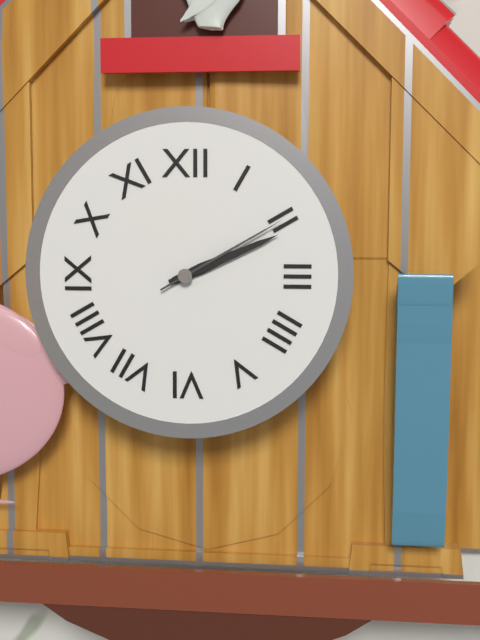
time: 2:11:10
